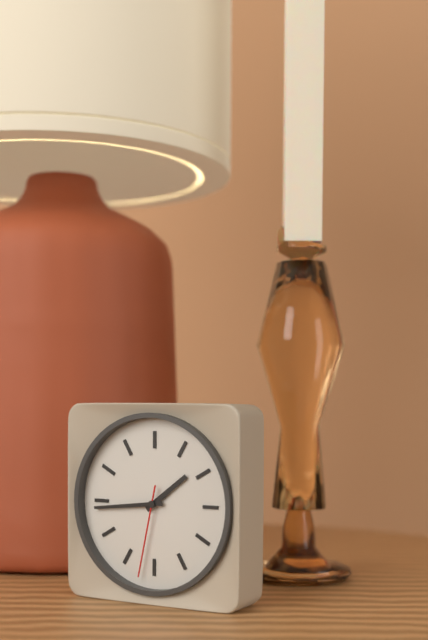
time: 1:44:32
